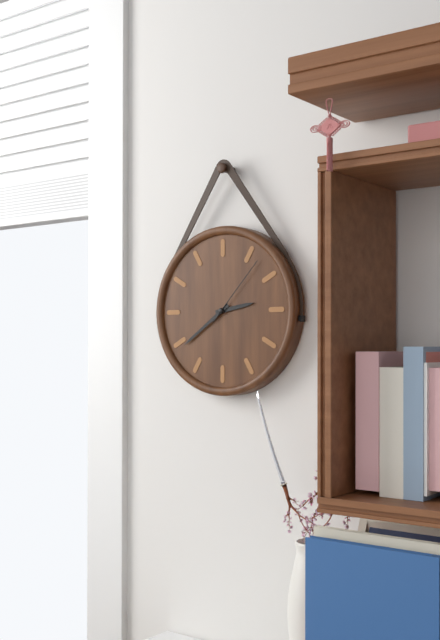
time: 2:39:07
